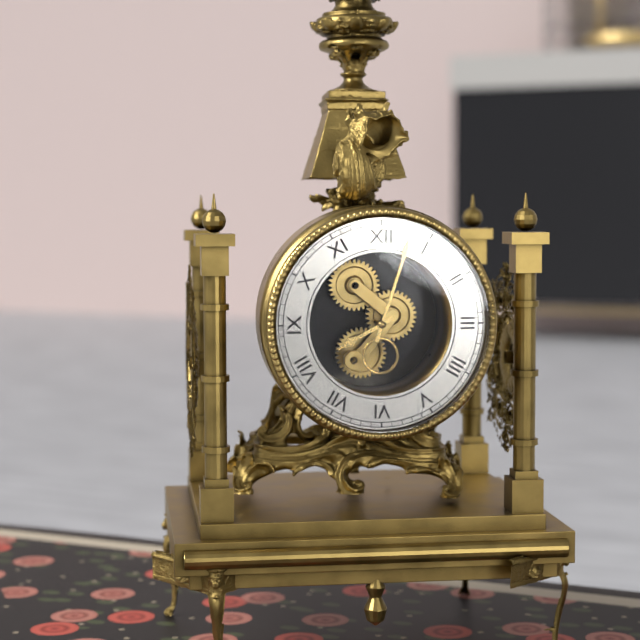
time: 8:03
